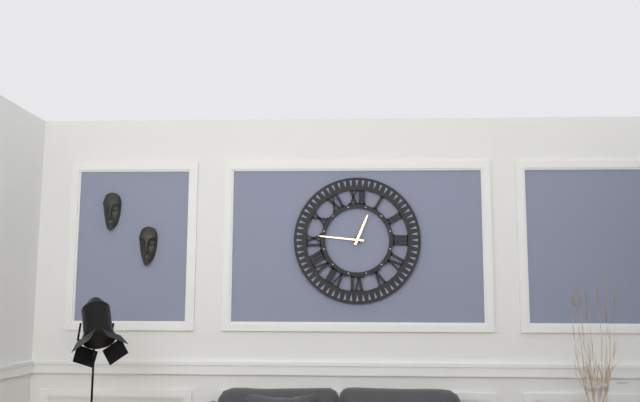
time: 12:46
